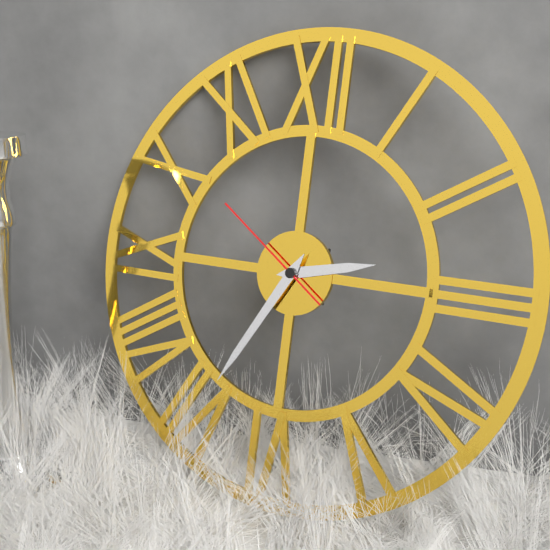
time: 2:35:51
